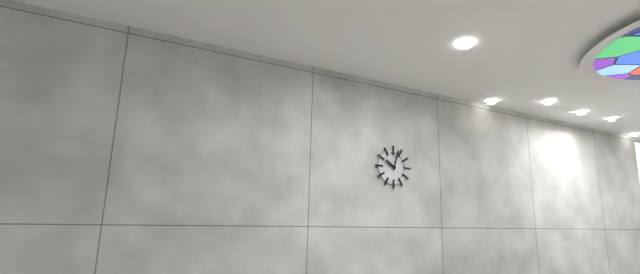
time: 10:03
